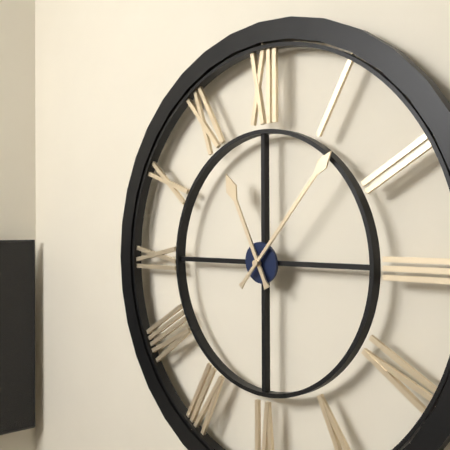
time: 11:07
